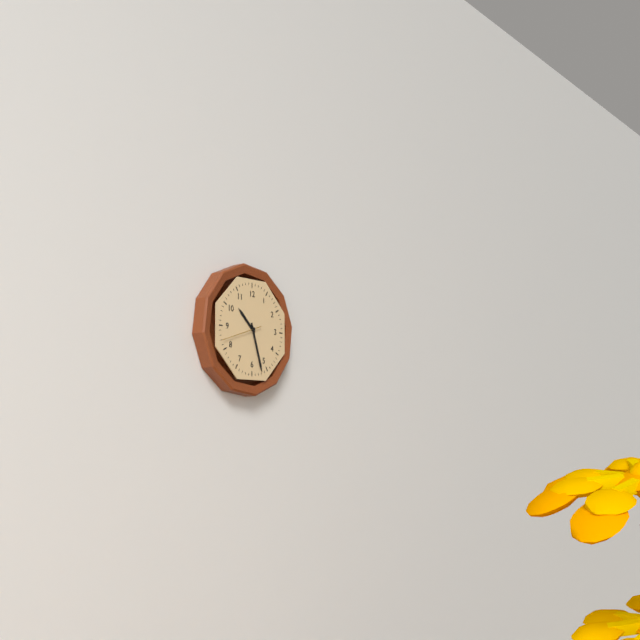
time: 10:27
